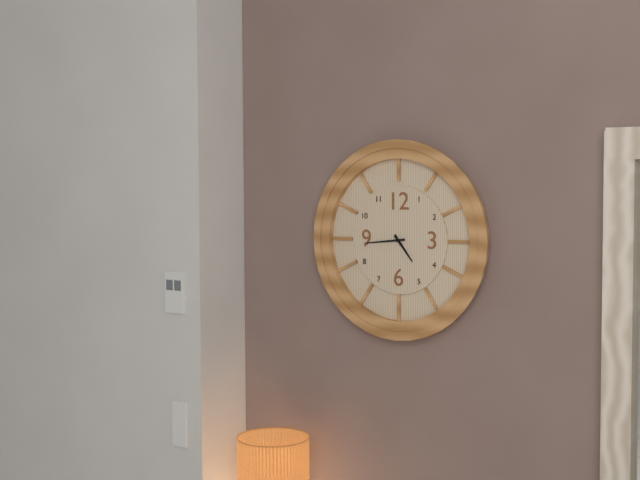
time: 4:44
